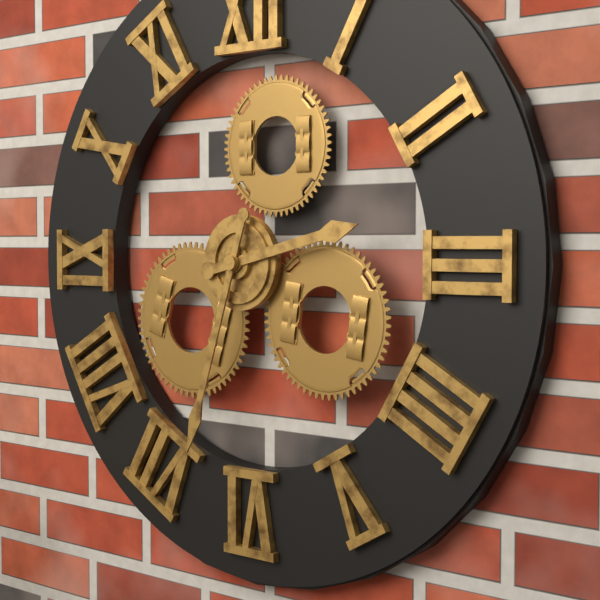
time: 2:33
